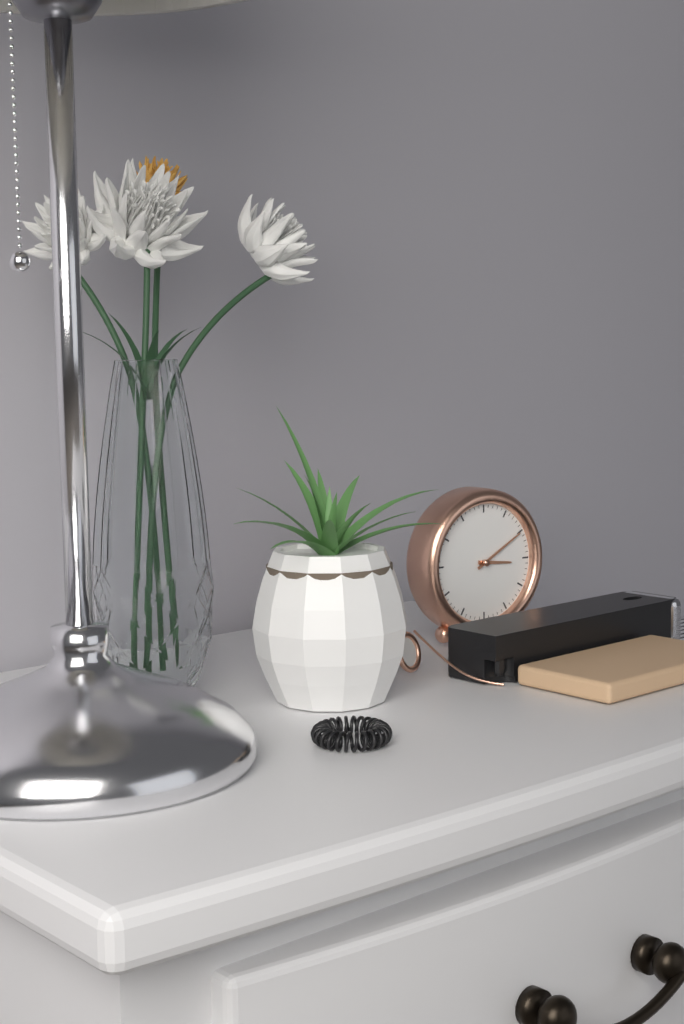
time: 3:10
